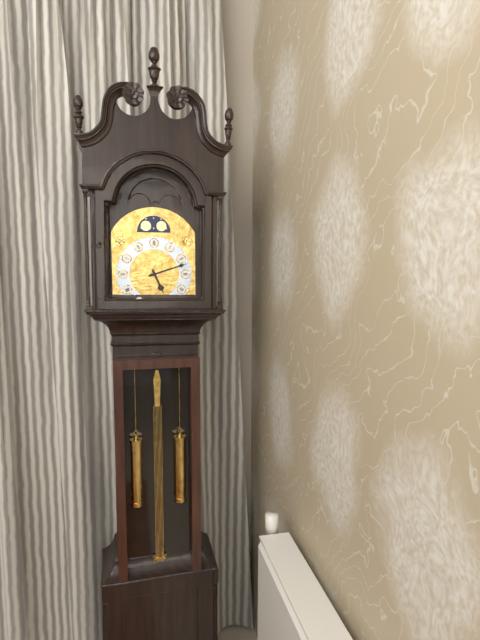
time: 5:12
